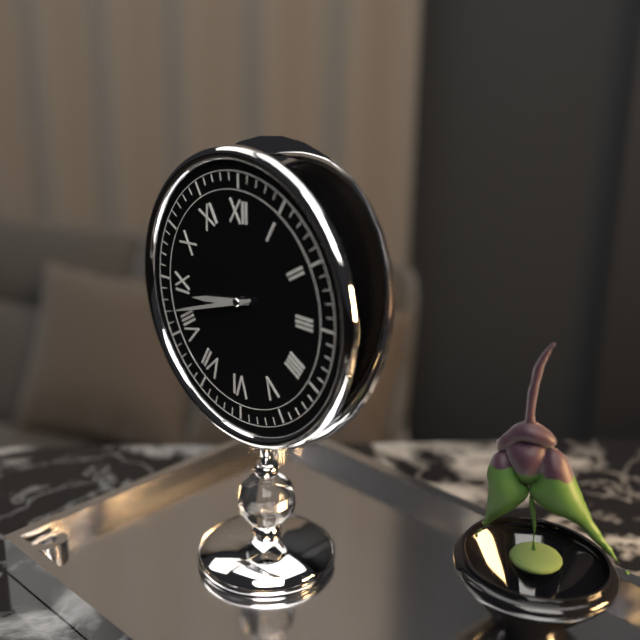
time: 8:42
